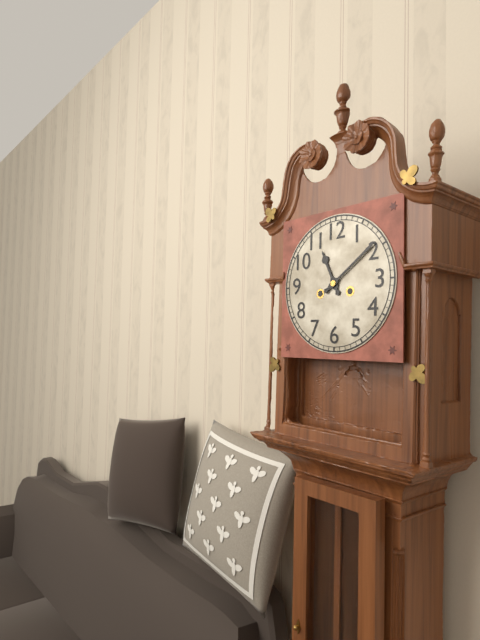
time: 11:09
